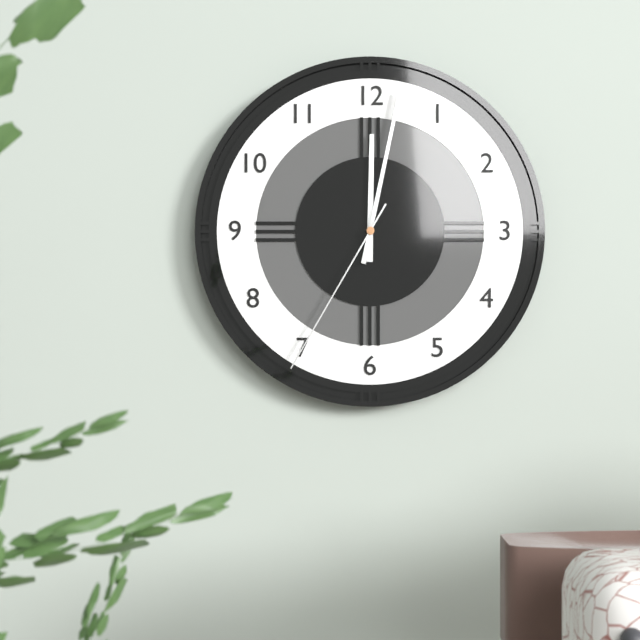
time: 12:02:35
